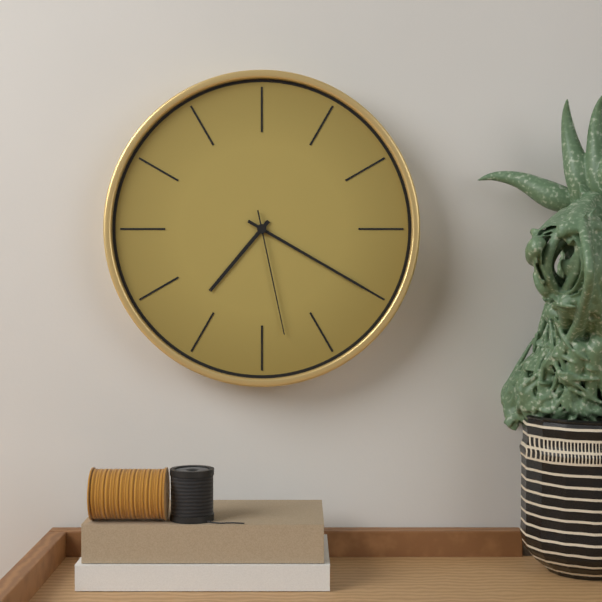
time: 7:20:28
